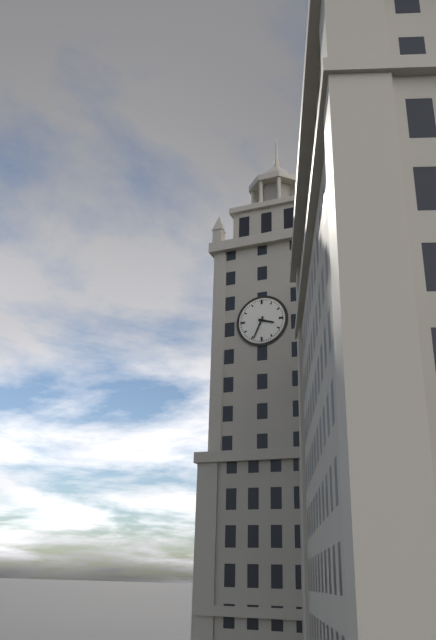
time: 3:34
